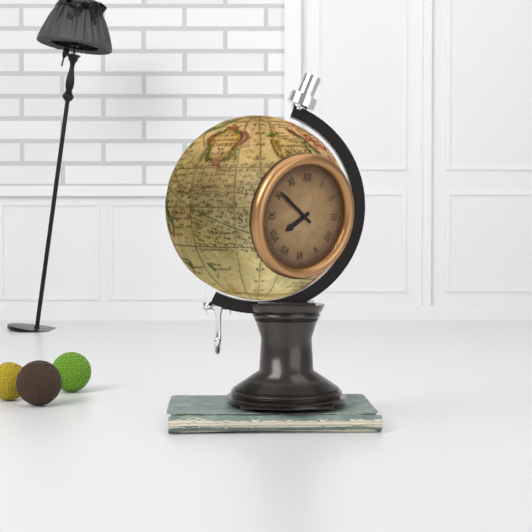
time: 7:51
